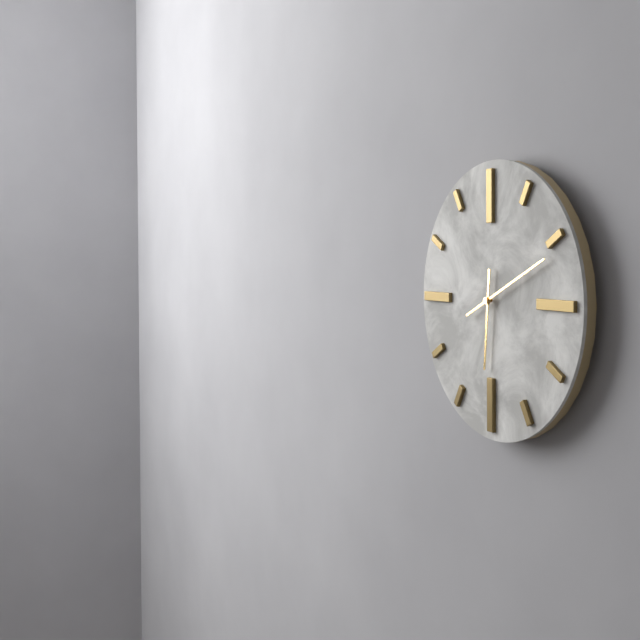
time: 6:11
